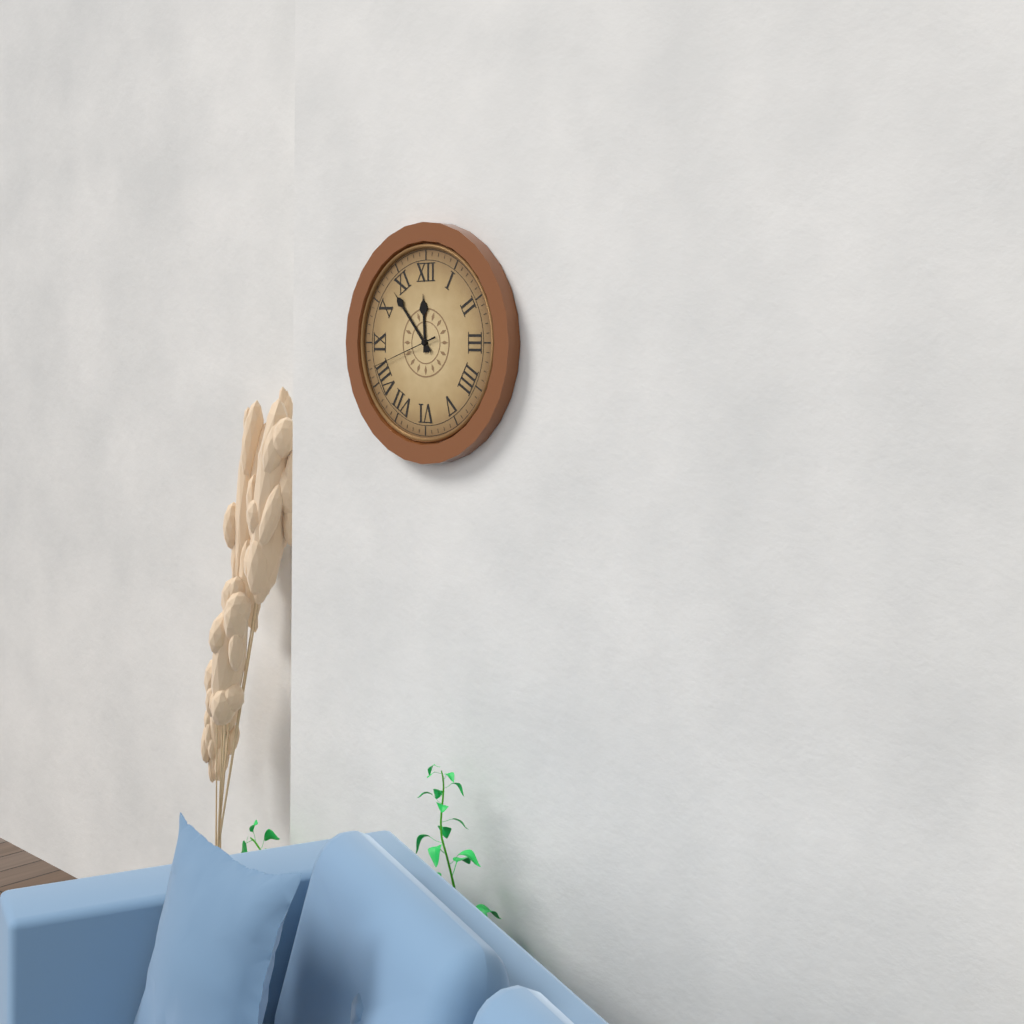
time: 11:53:42
